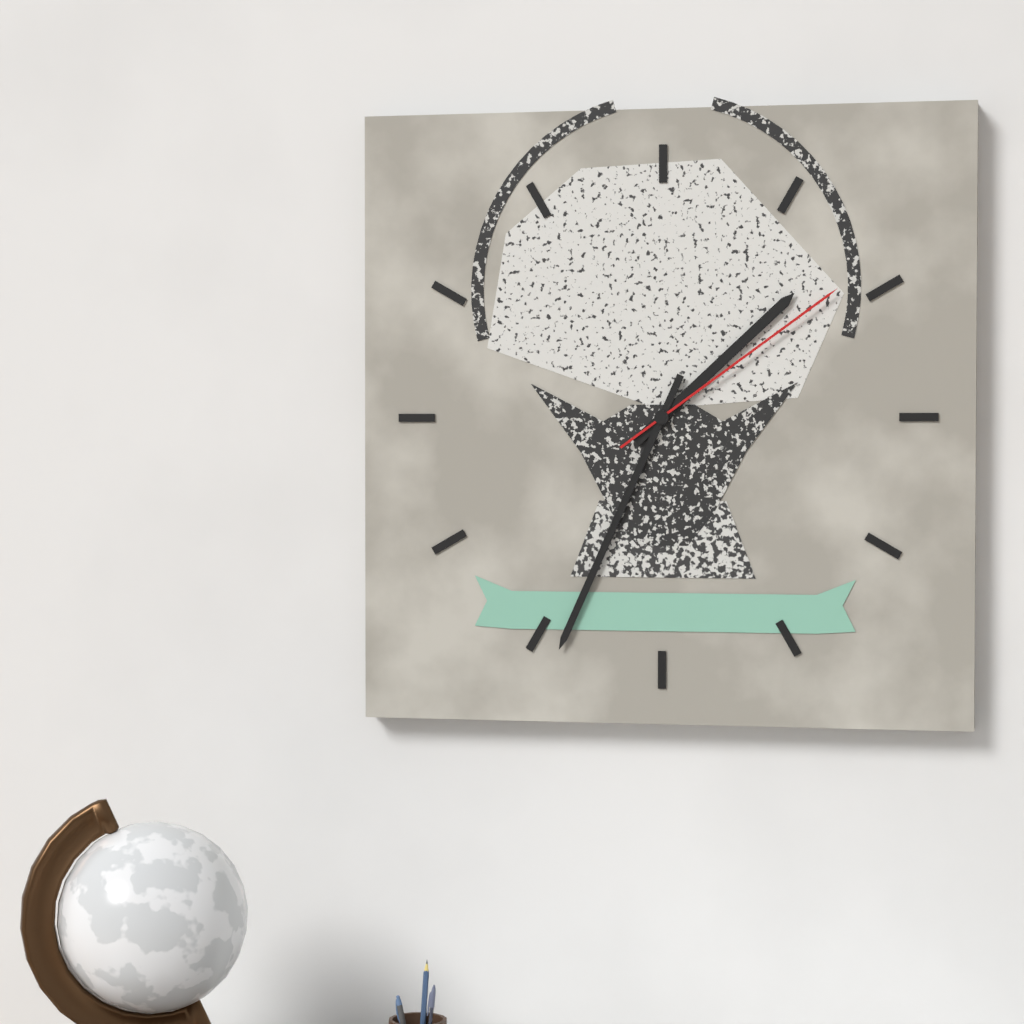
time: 1:34:09
